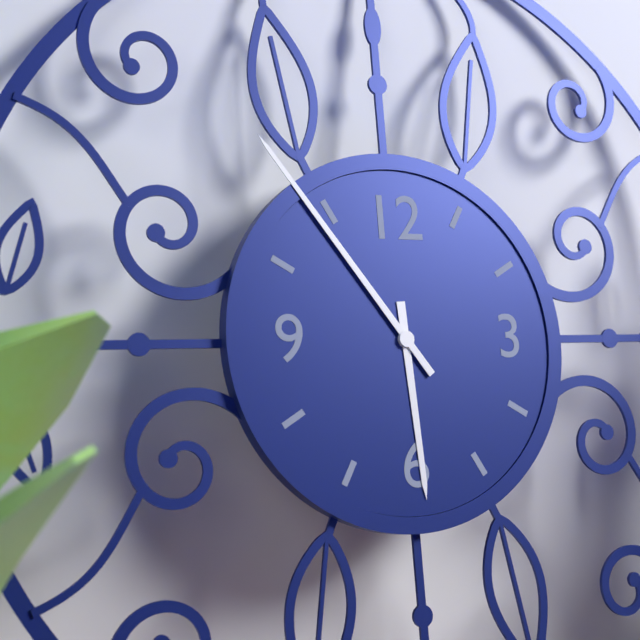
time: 5:54
